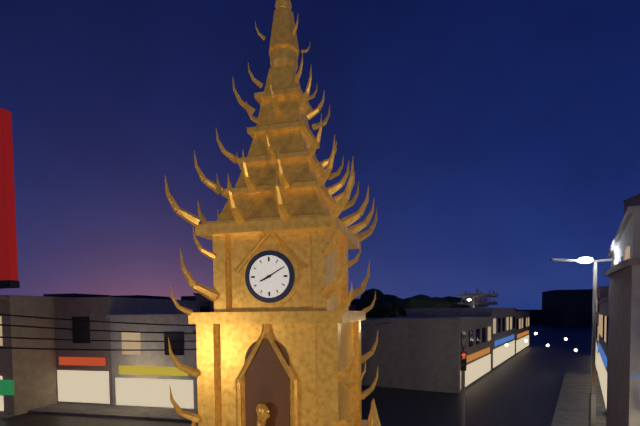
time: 8:10
